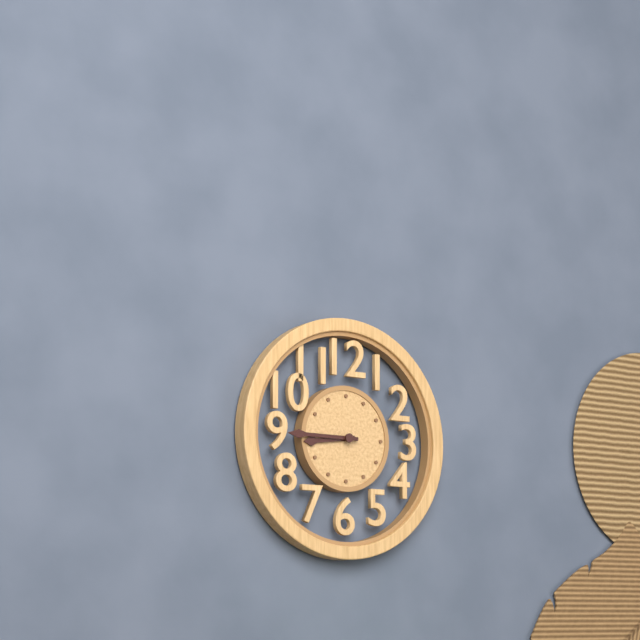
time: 8:45
